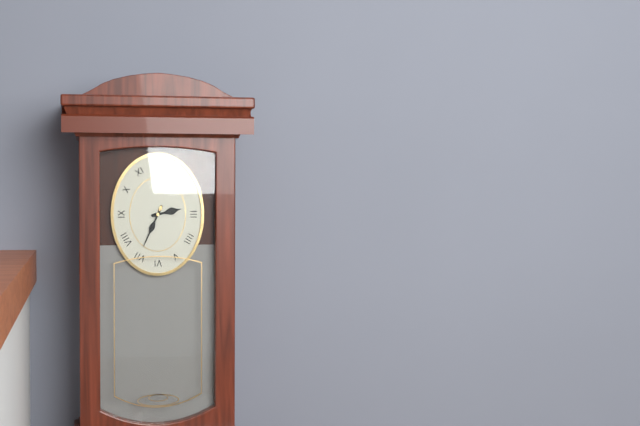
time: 2:34
